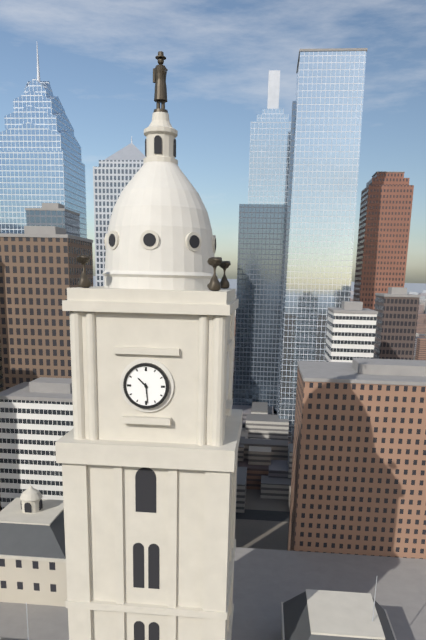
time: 10:29
